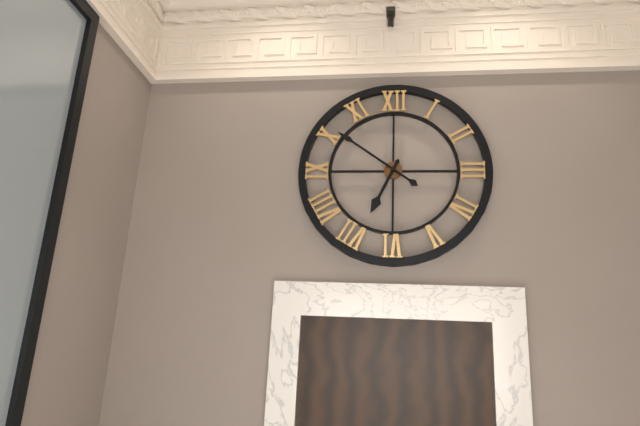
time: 6:51
